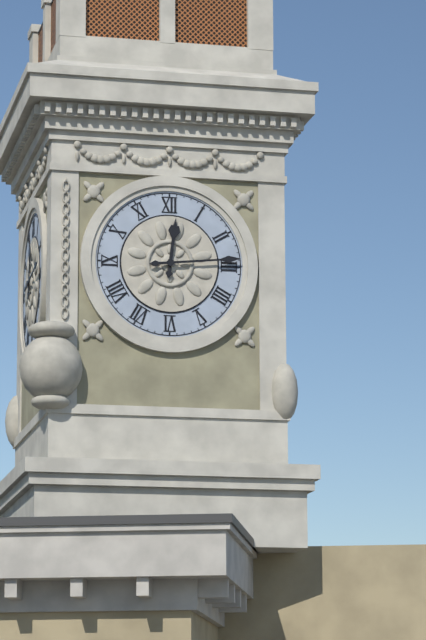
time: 12:14
